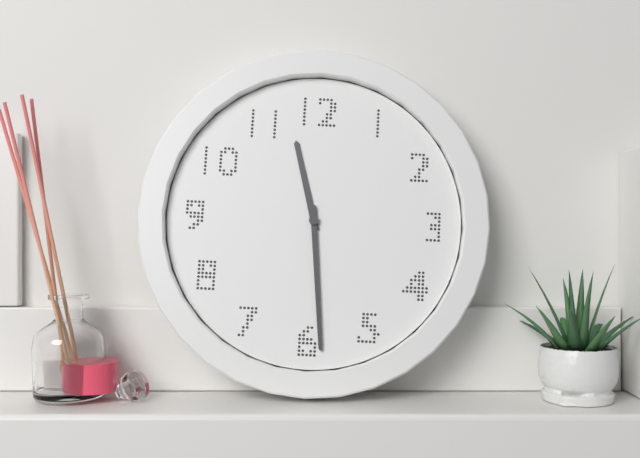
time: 11:29
